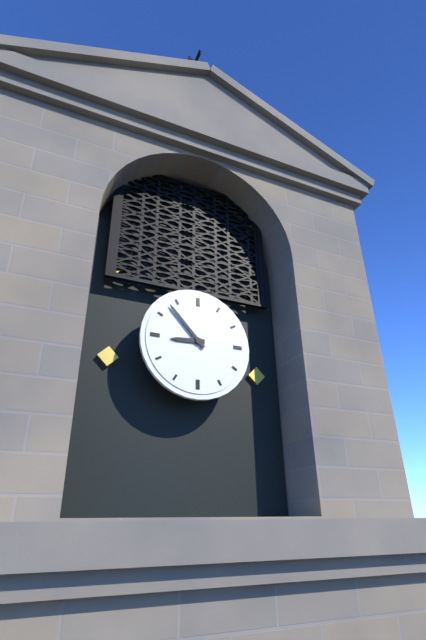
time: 8:53
